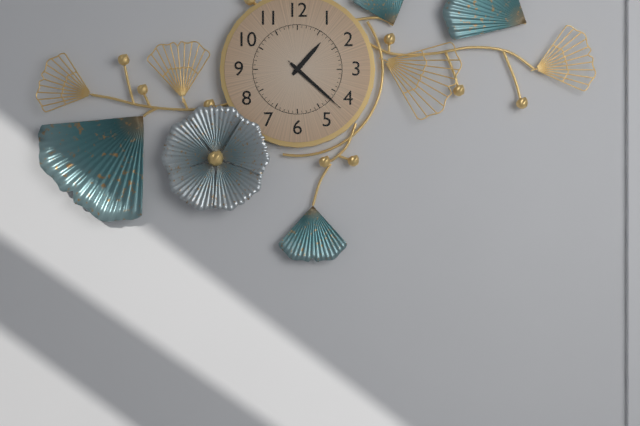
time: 1:22:22
